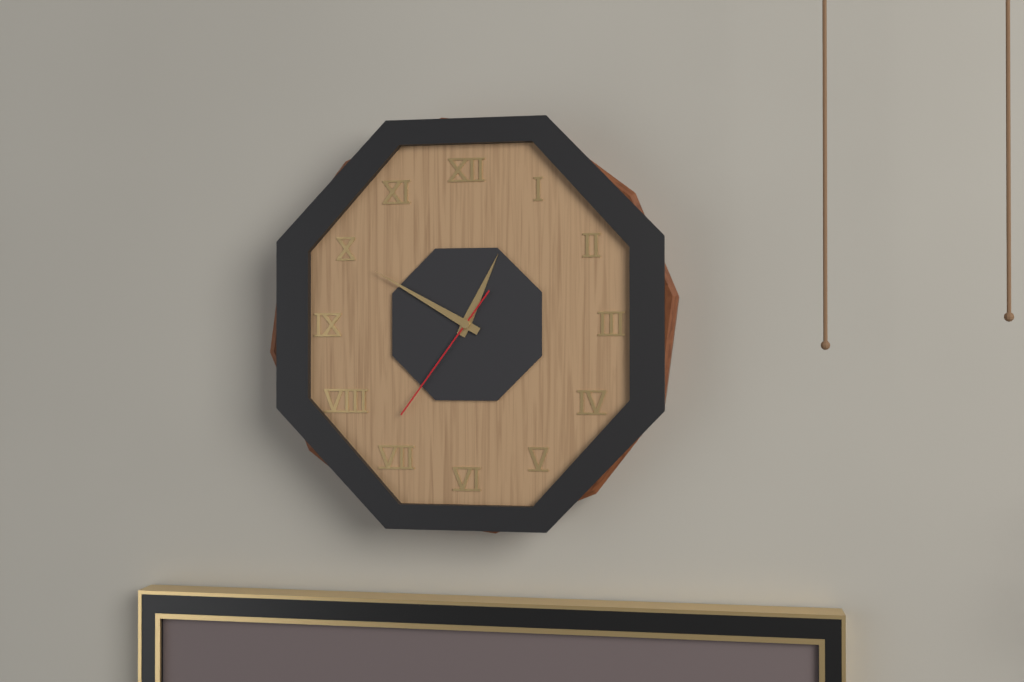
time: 12:50:36
